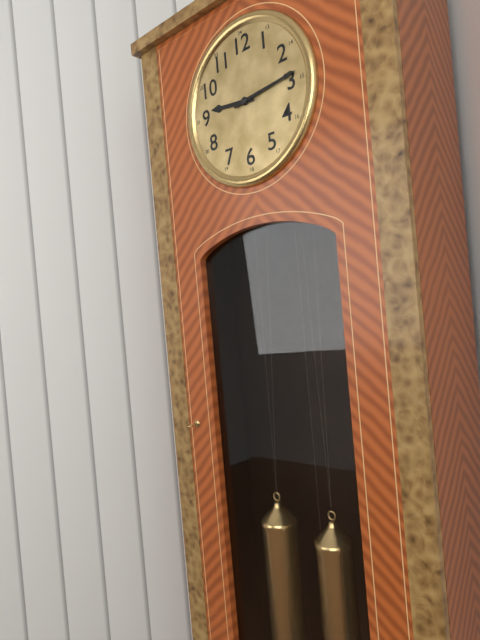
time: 9:14
